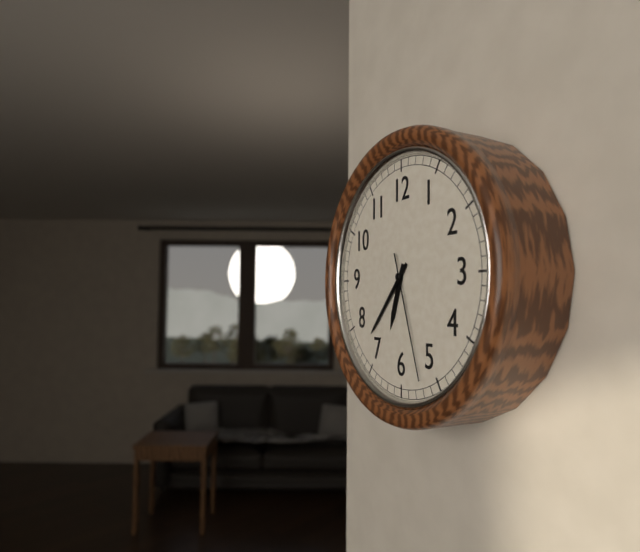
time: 6:37:27
